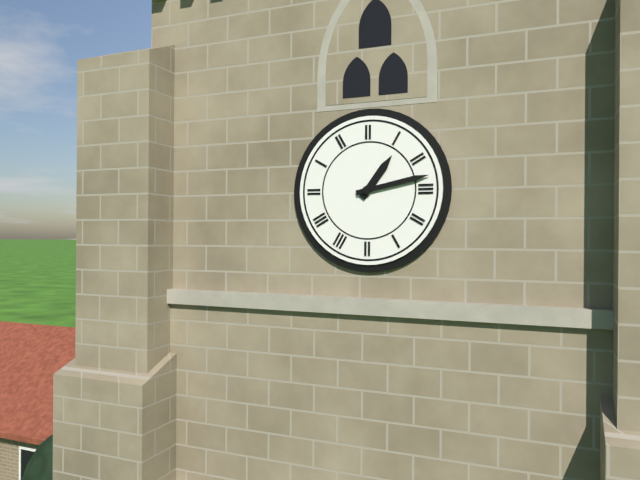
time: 1:13
